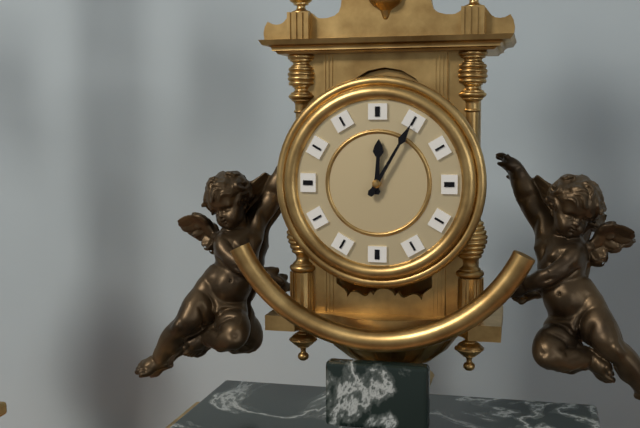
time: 12:05
